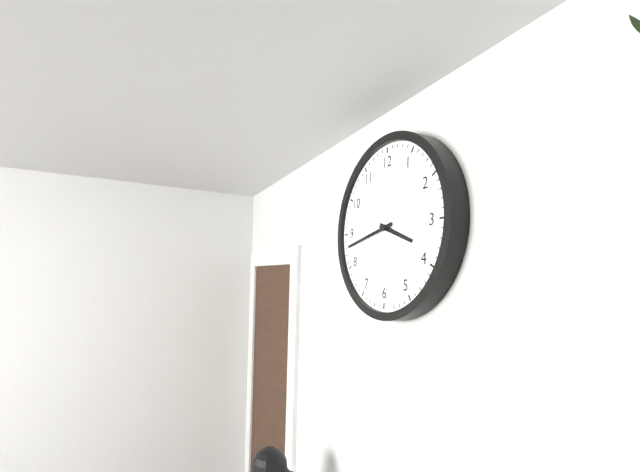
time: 3:43
